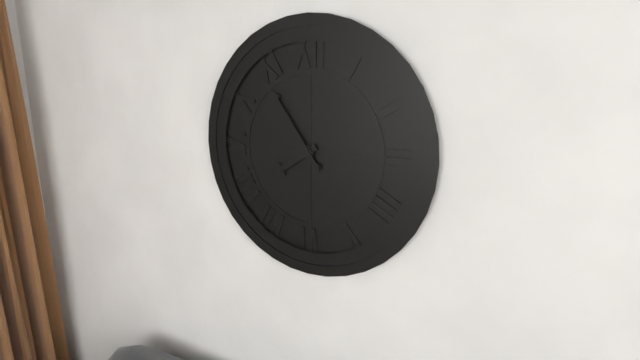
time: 7:54
